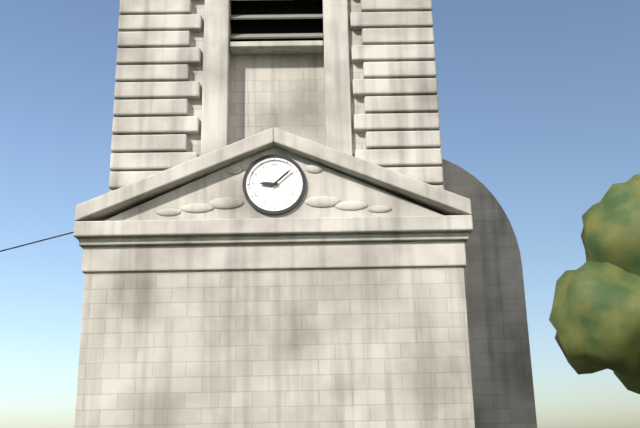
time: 9:08
